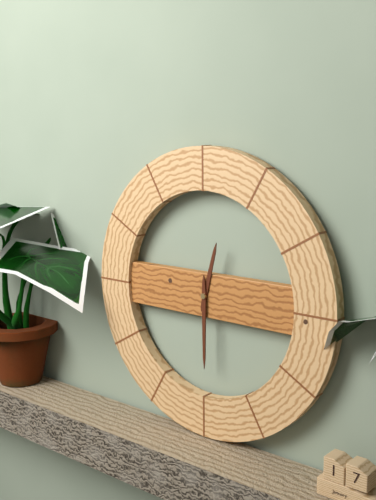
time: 12:30
